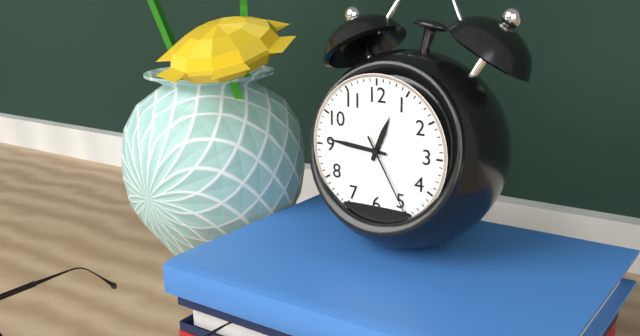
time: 12:46:25
